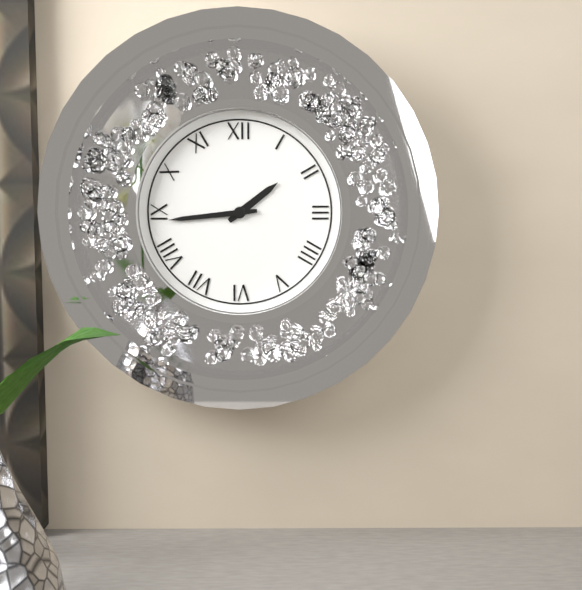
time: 1:44
